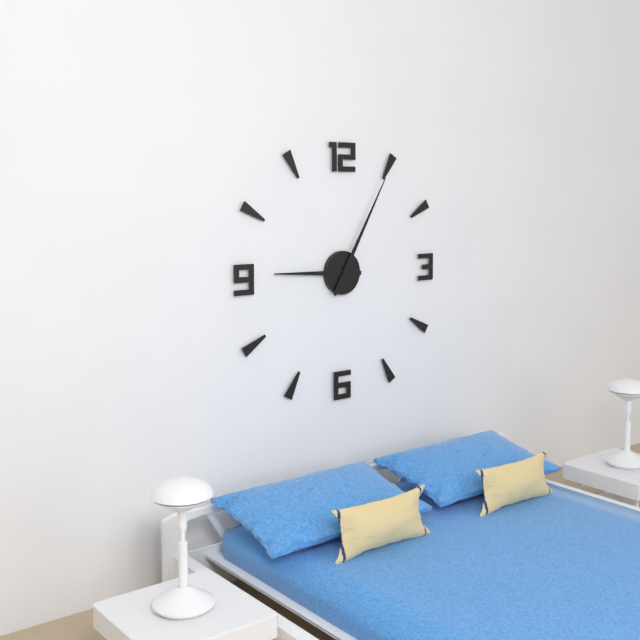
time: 9:05
